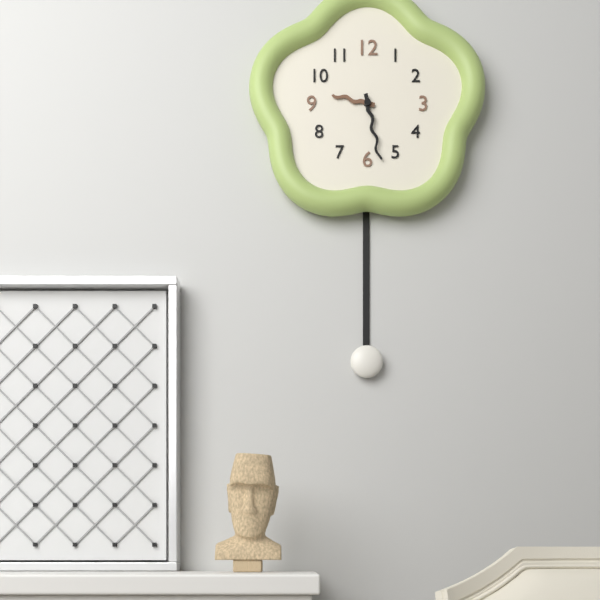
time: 9:28
